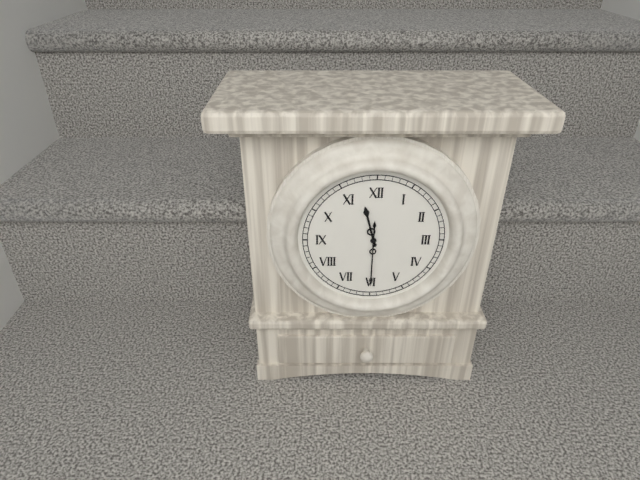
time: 11:30
